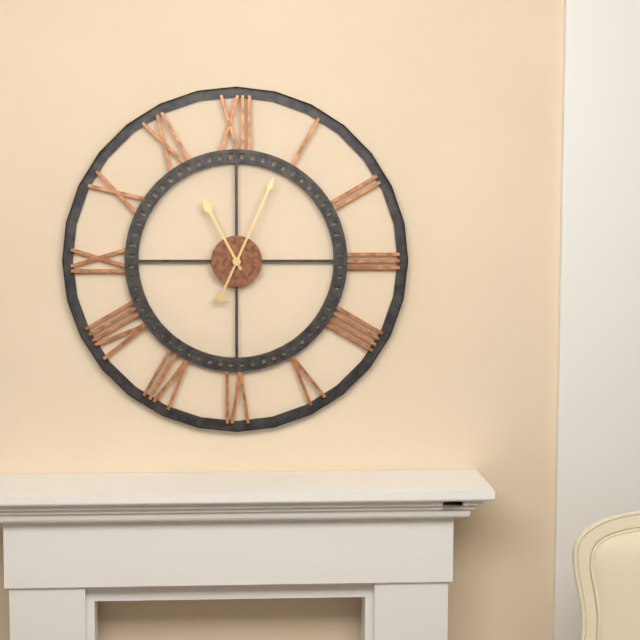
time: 11:04
